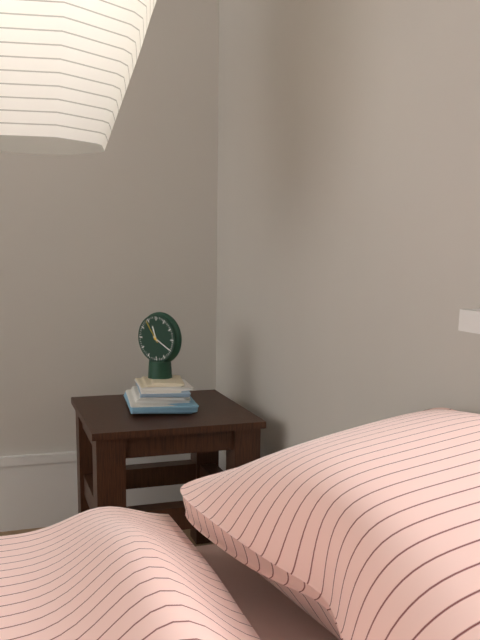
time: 11:20
